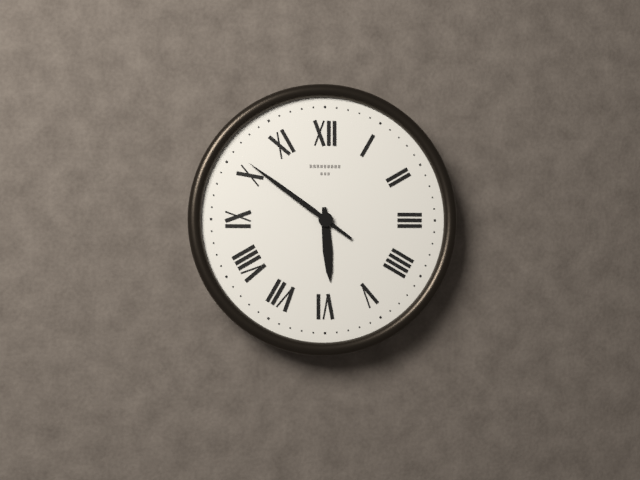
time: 5:51
